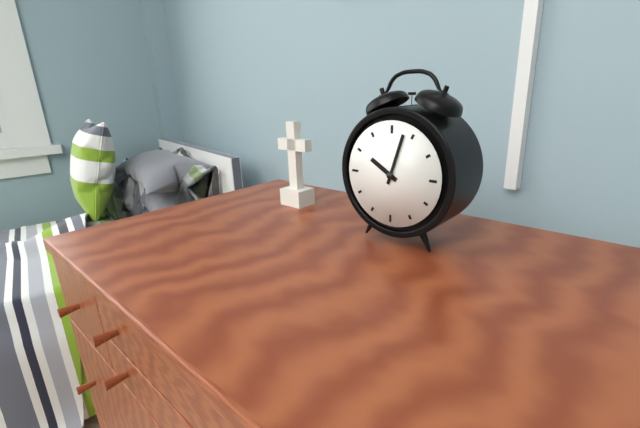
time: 10:03
